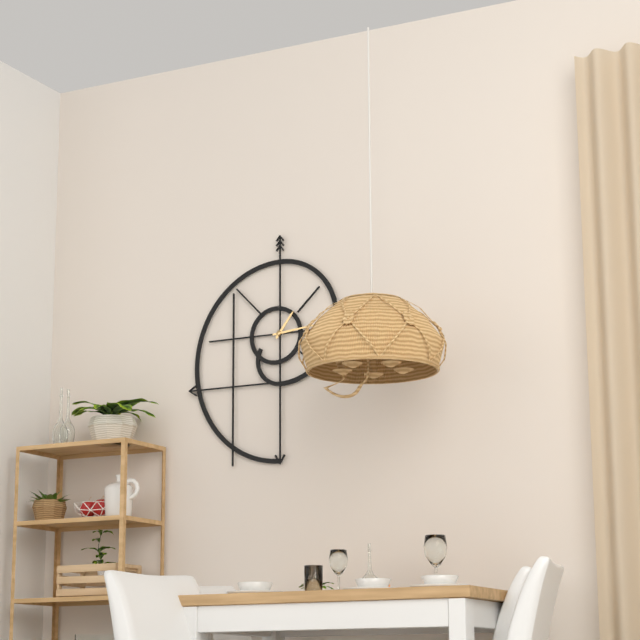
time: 1:14
